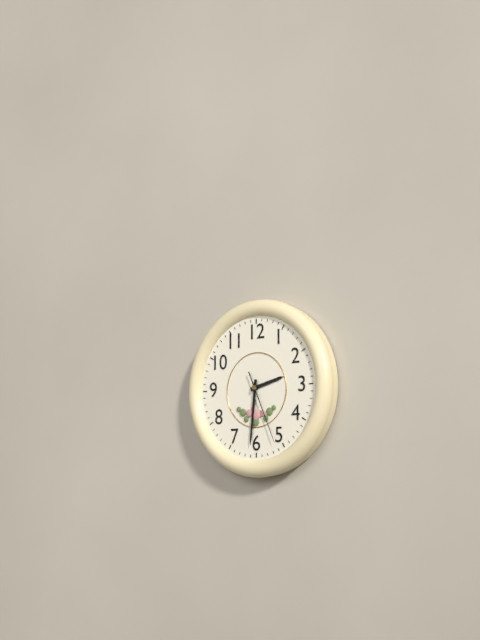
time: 2:31:26
